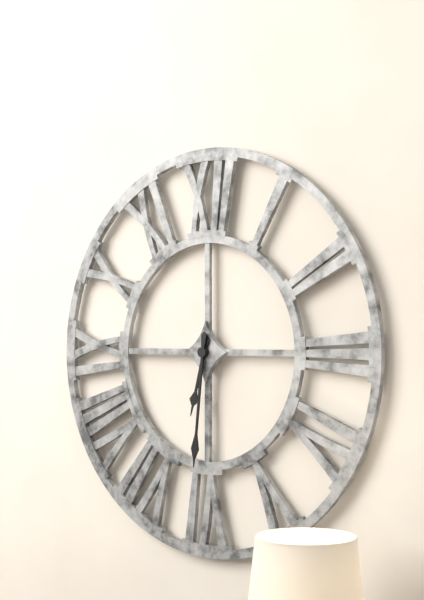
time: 6:31
